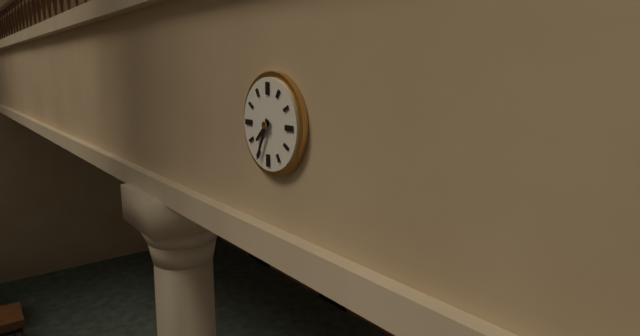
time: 7:34
